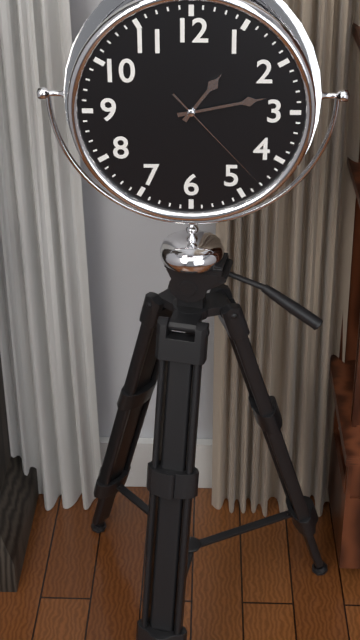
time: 1:13:23
